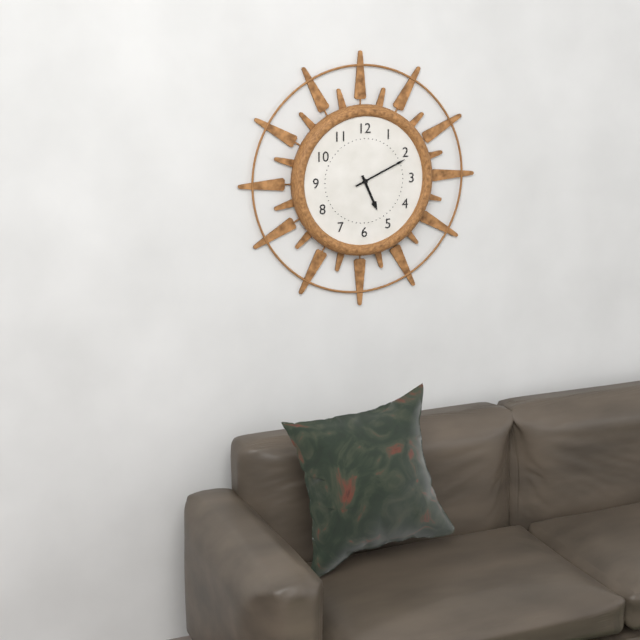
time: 5:11
